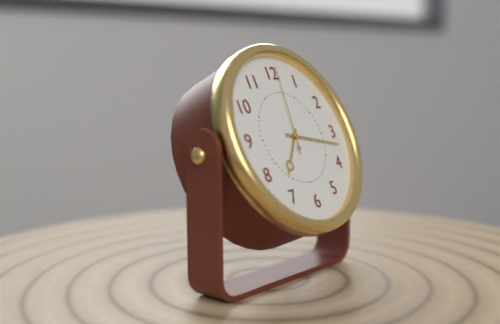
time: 7:17:01
